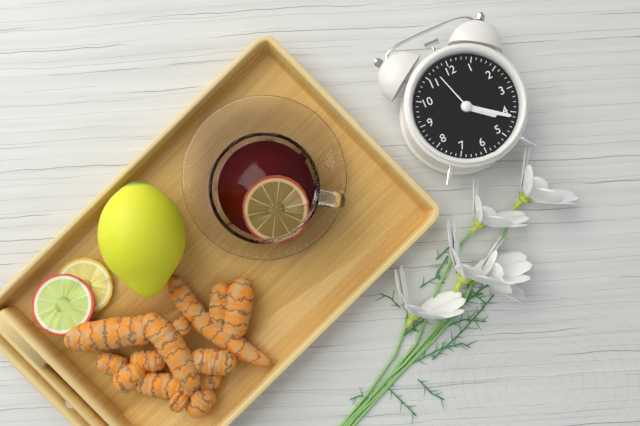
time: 4:21:57
